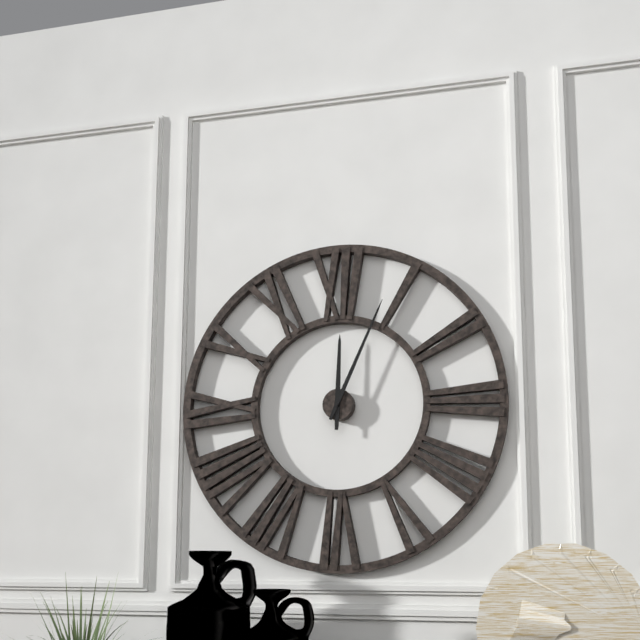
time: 12:04
